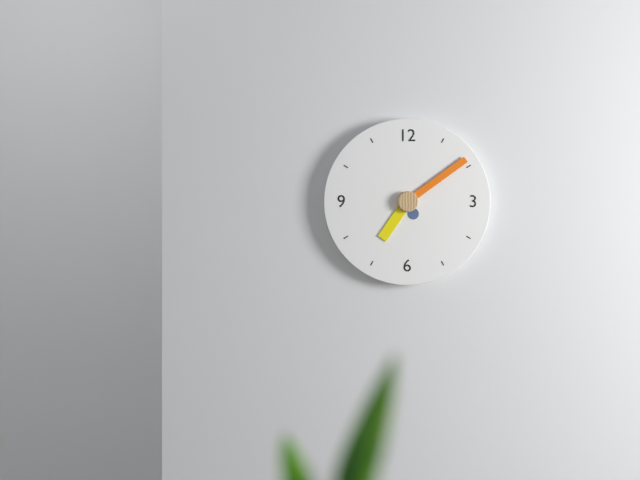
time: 7:09
